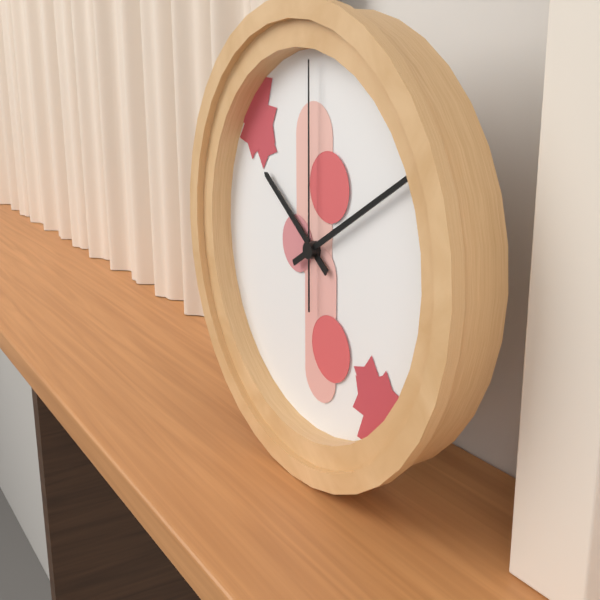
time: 10:10:00
